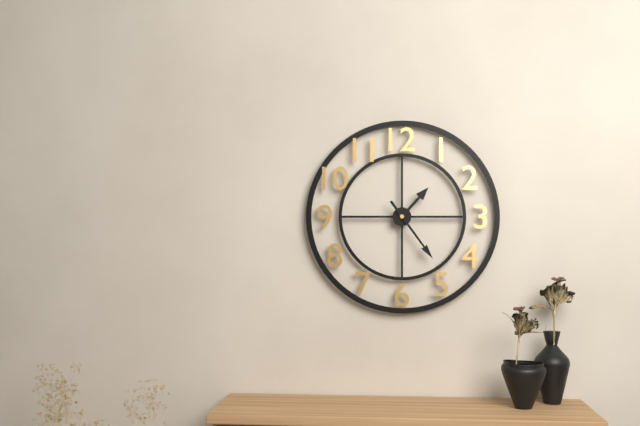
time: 1:24
